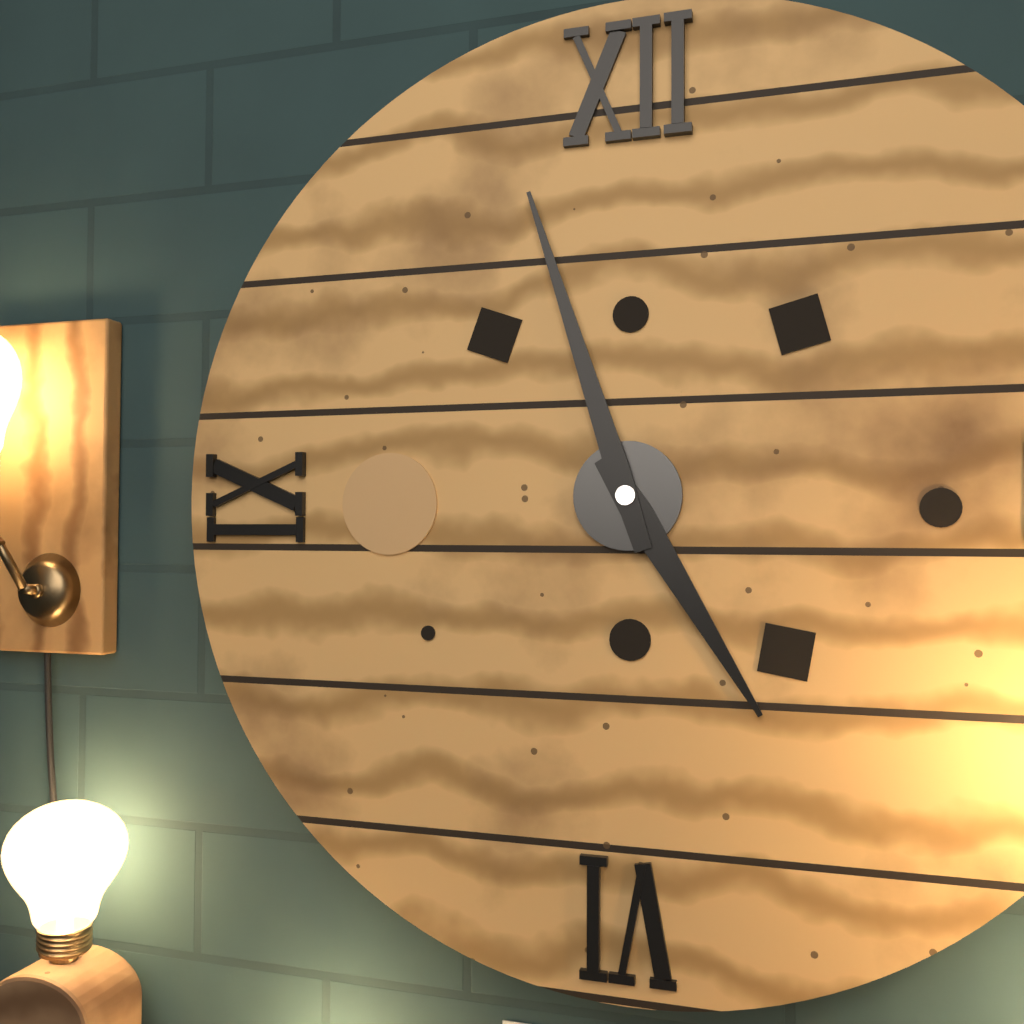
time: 4:57
